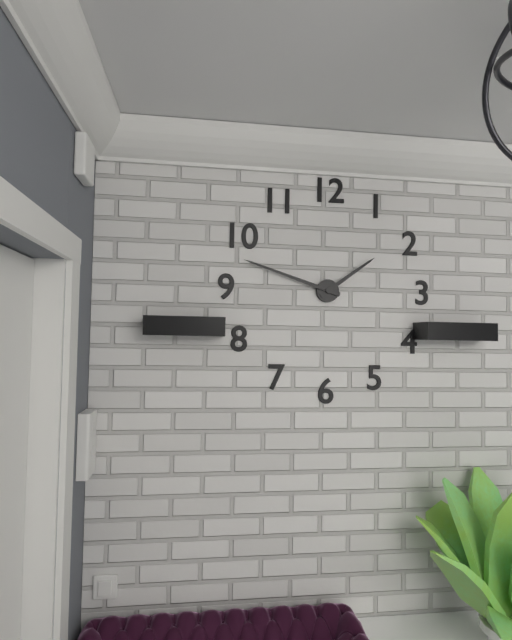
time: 1:48
